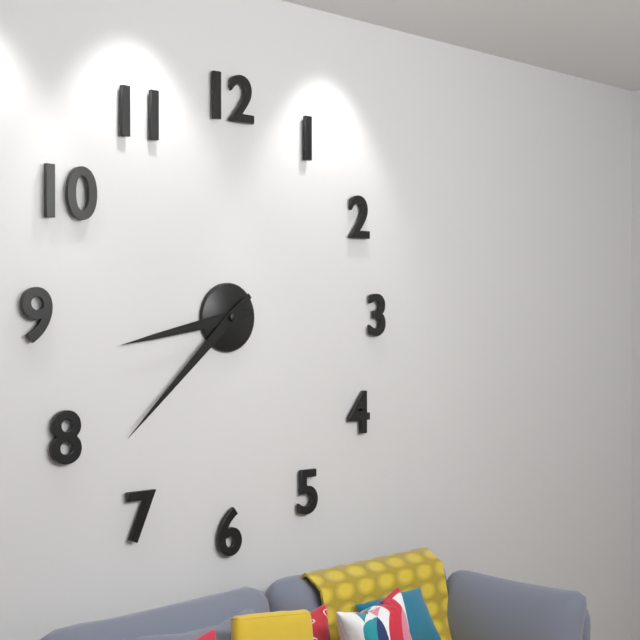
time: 8:38
